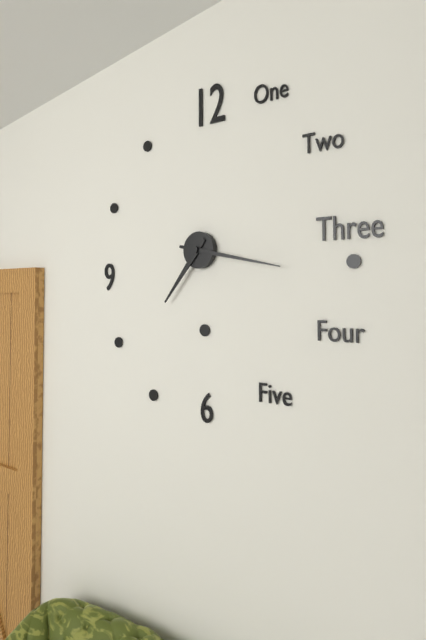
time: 7:17
